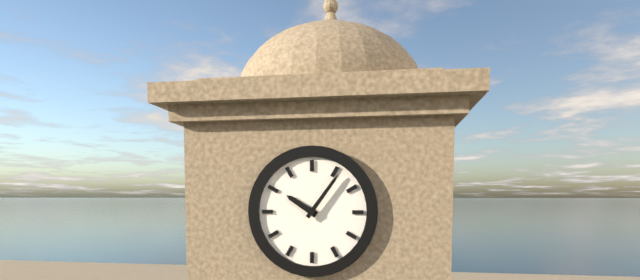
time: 10:06
